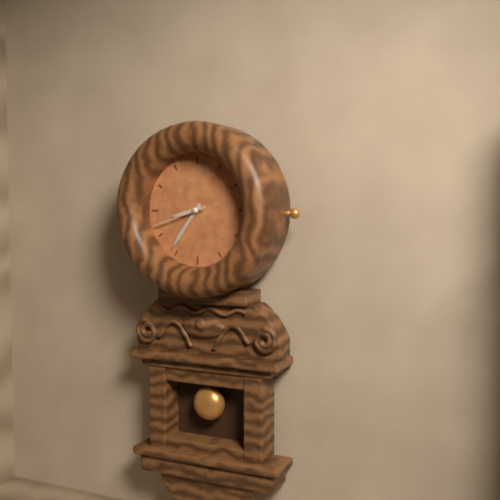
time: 8:36:42
